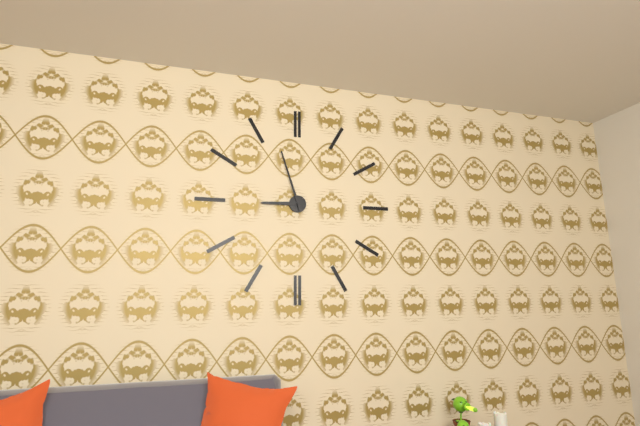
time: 8:57
